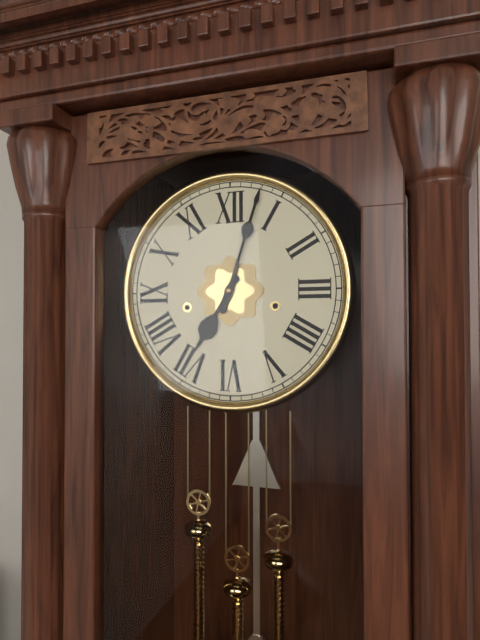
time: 7:03
